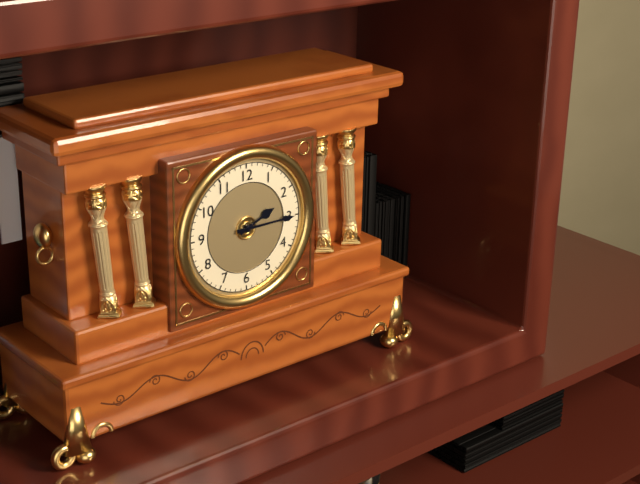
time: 2:15
